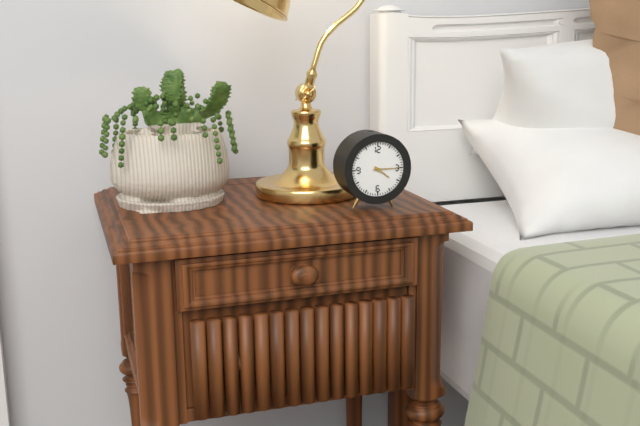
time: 4:15
